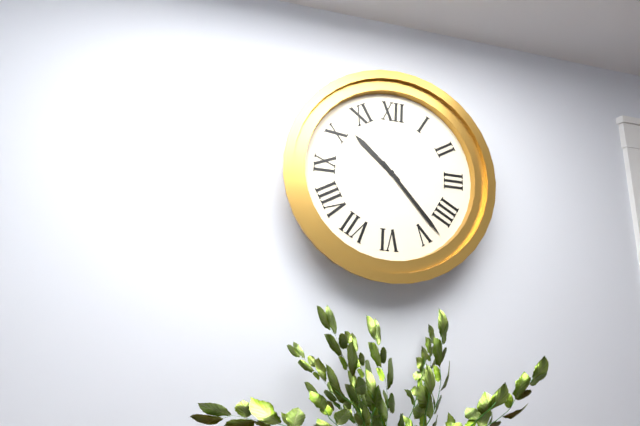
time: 10:23
